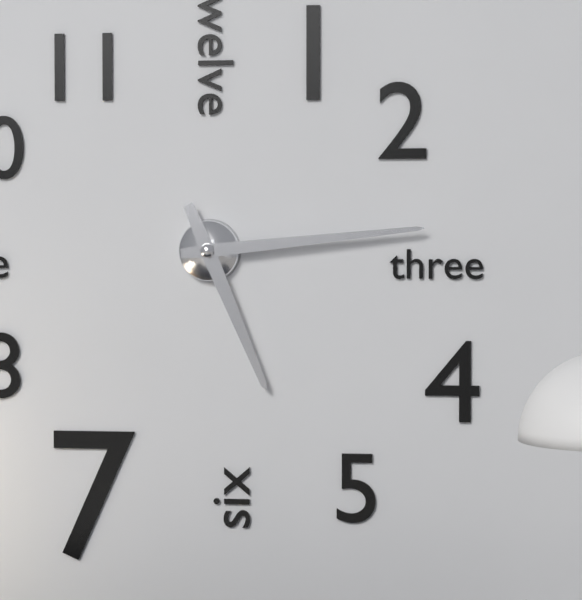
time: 5:14
